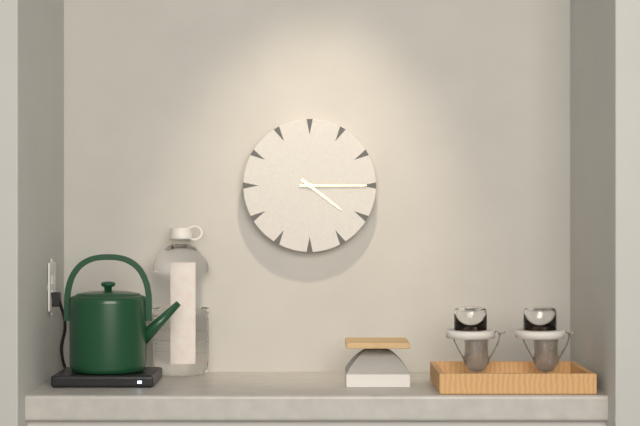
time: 4:15
